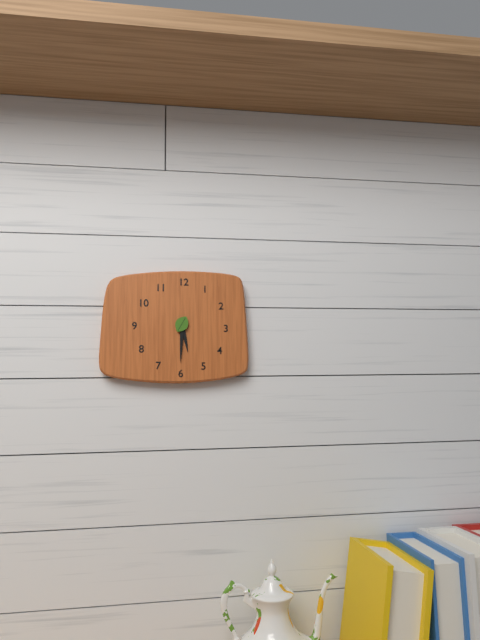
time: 5:30
